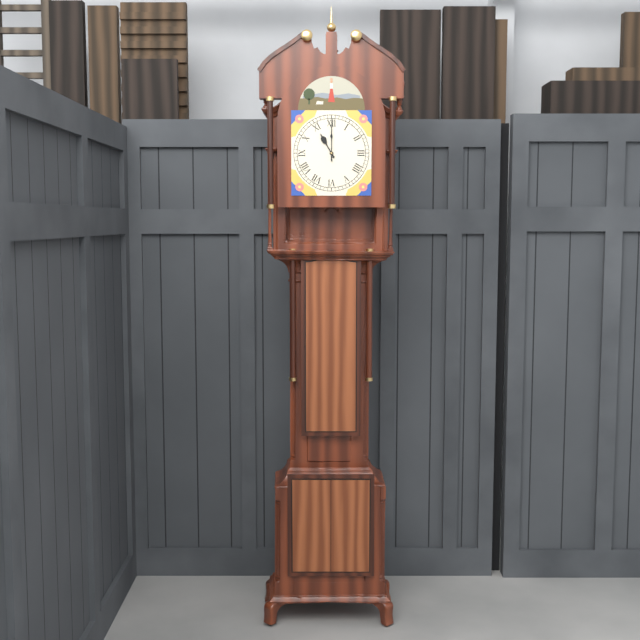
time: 11:00
